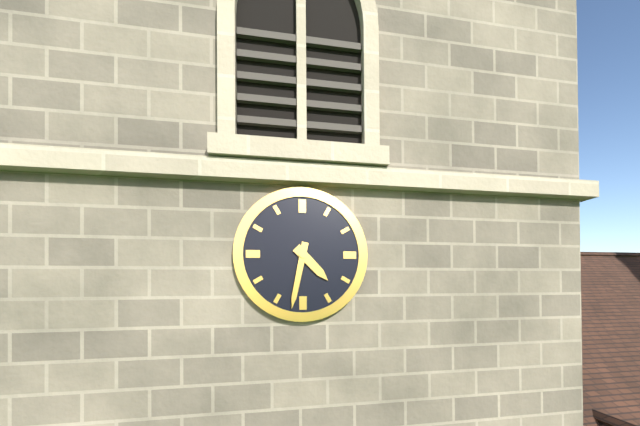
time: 4:32
